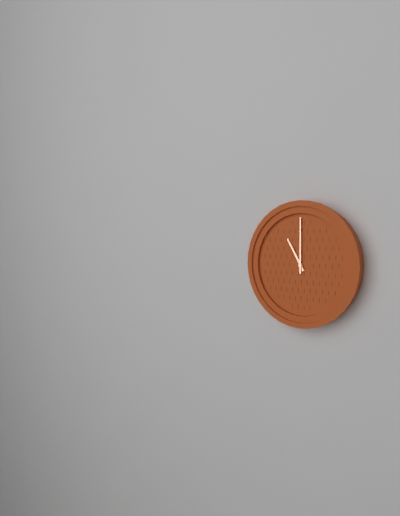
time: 11:00
